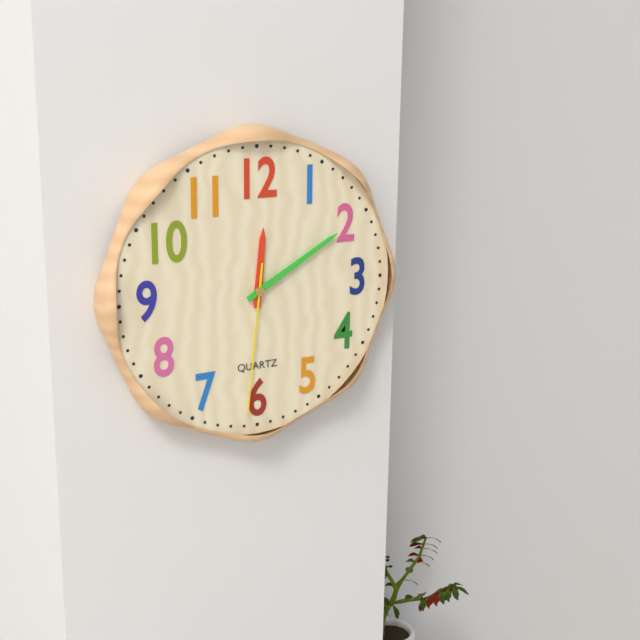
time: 12:10:31
